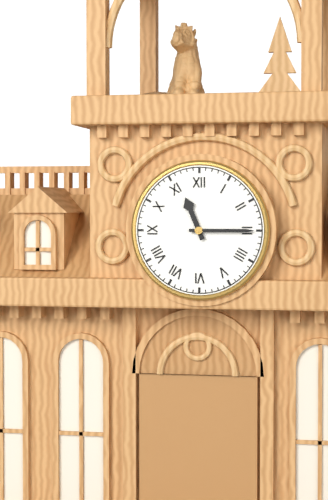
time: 11:15
